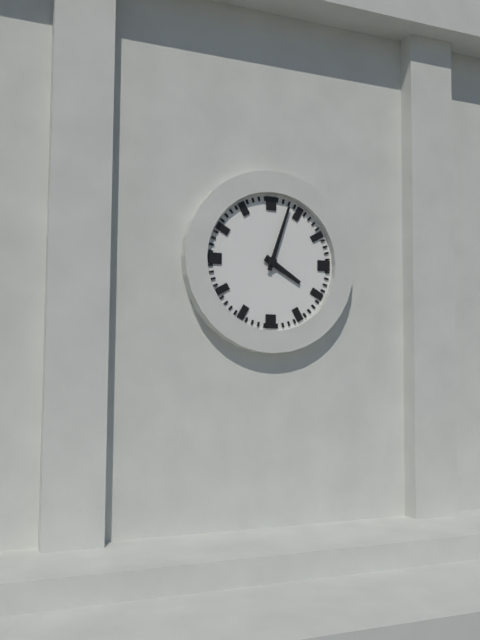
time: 4:03
